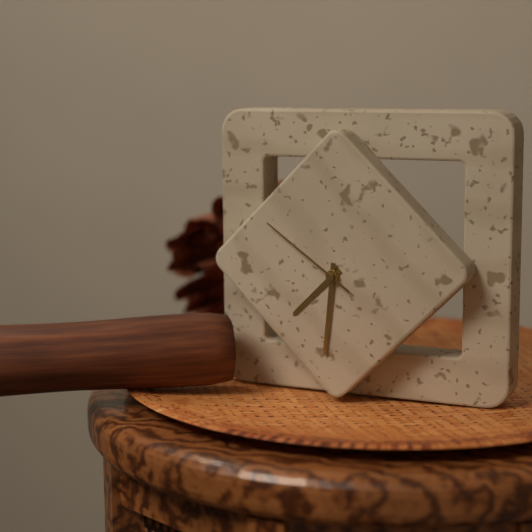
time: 7:31:51
